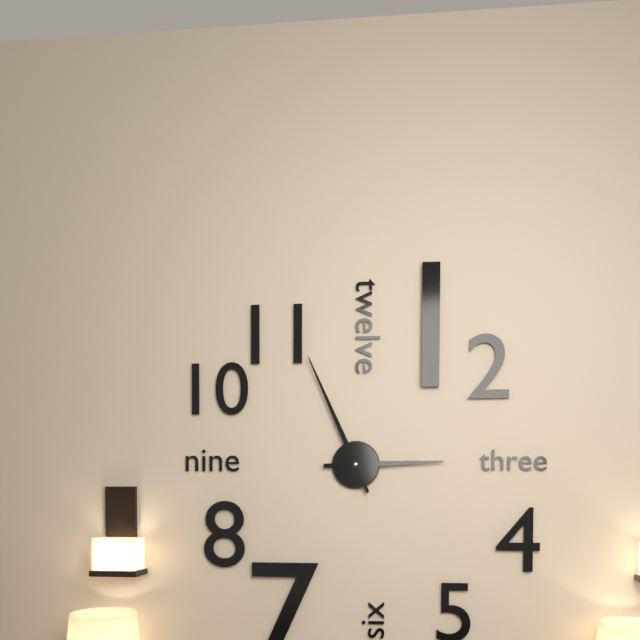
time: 2:56
